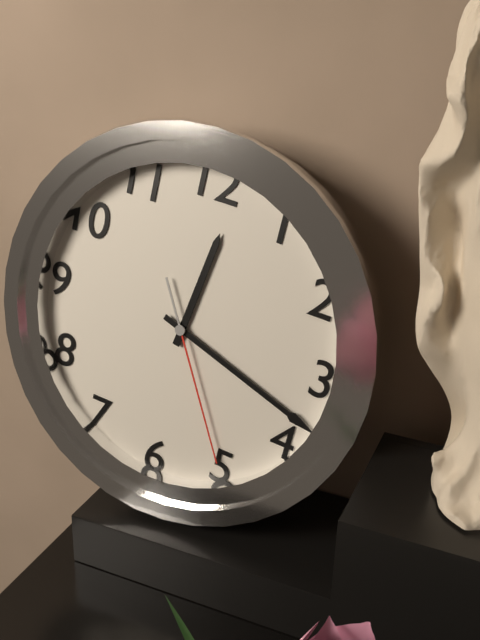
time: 12:18:25
